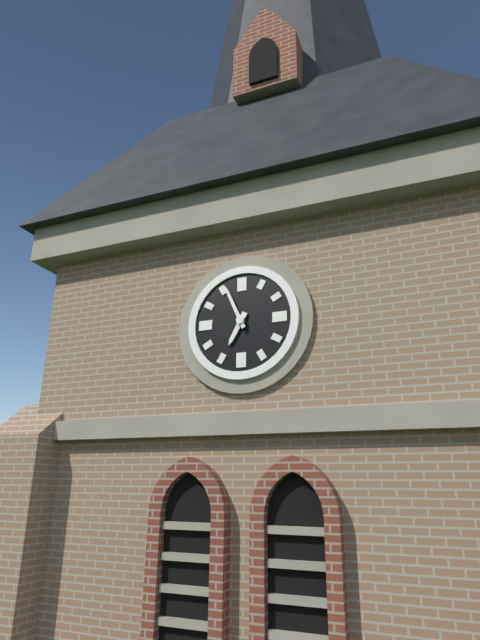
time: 6:56
